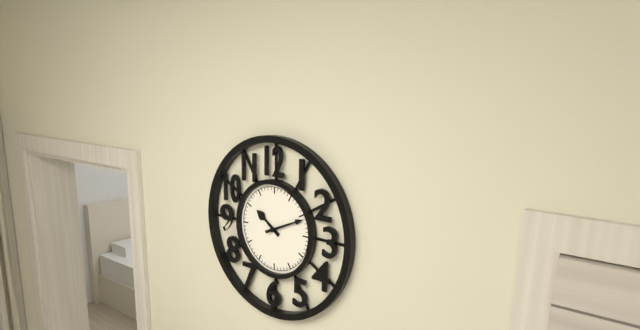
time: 10:11
